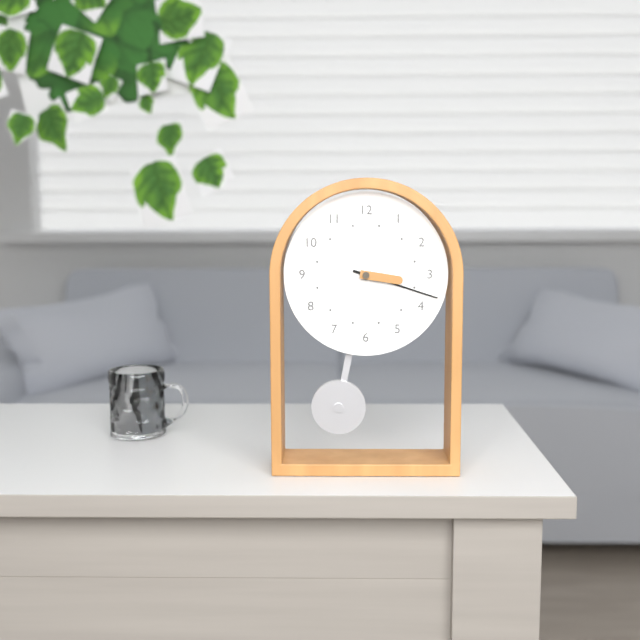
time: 3:18
